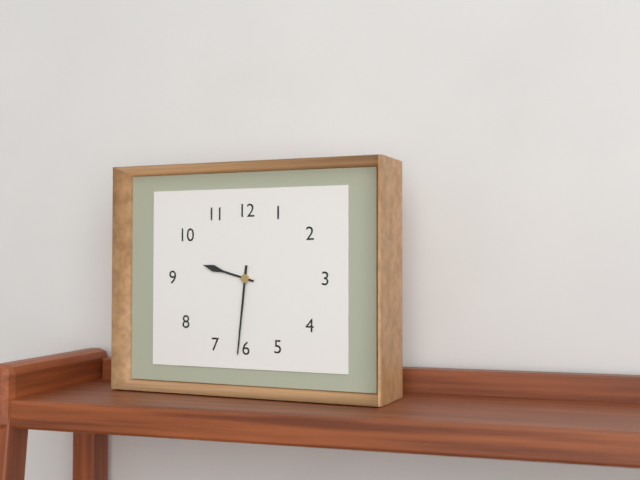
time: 9:31
